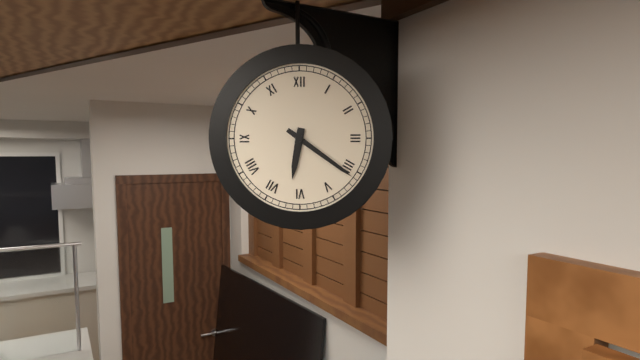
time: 6:21
